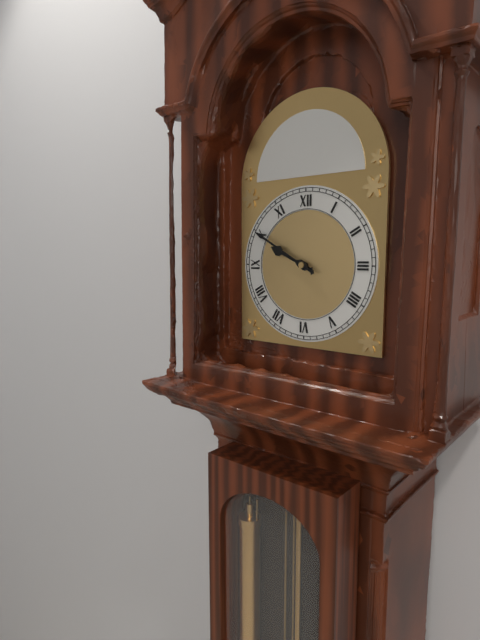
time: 9:50
